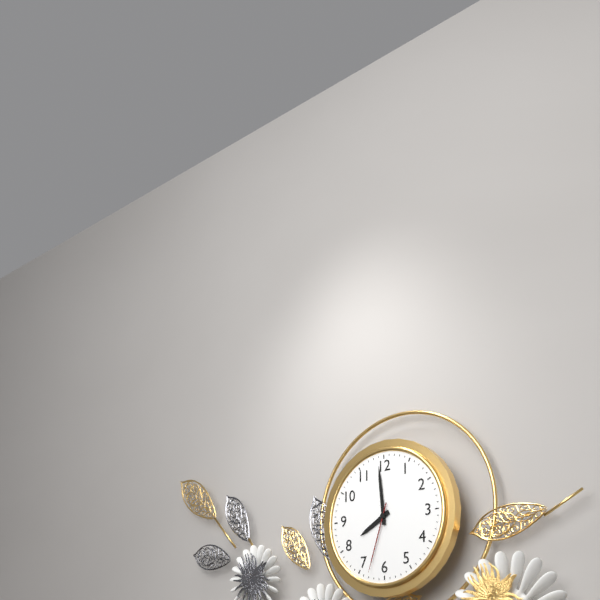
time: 7:59:33
